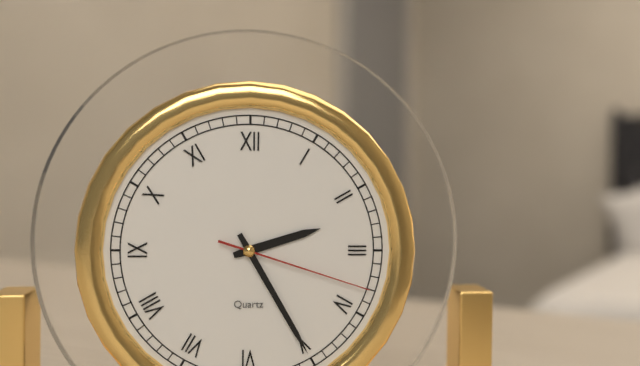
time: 2:25:18
